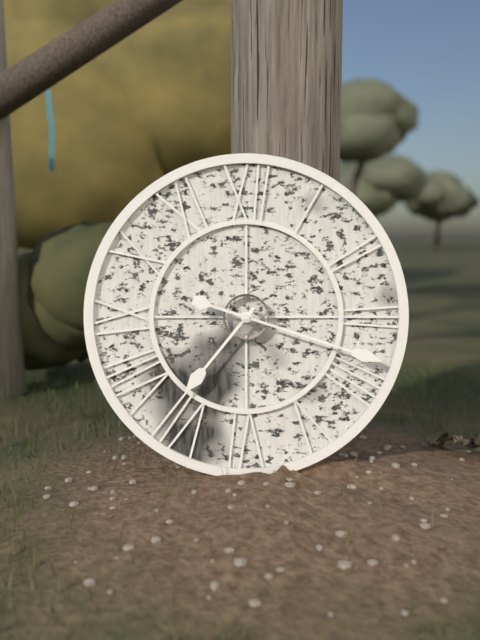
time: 7:18
